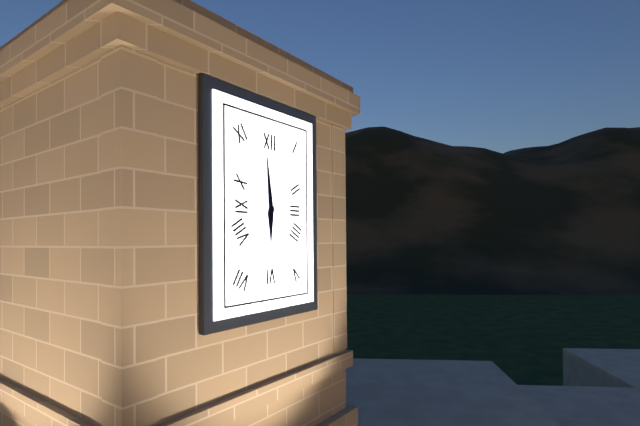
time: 5:59
